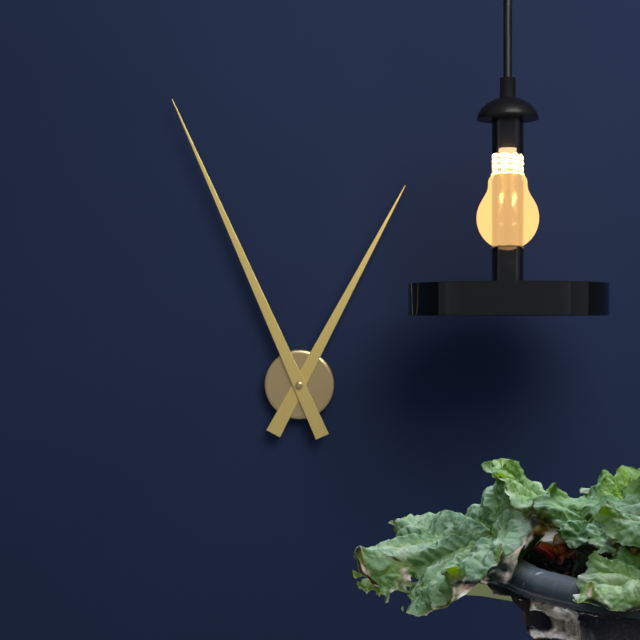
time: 12:56
